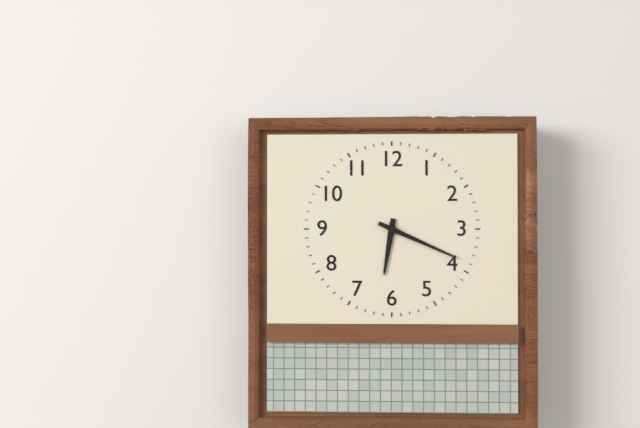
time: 6:19
